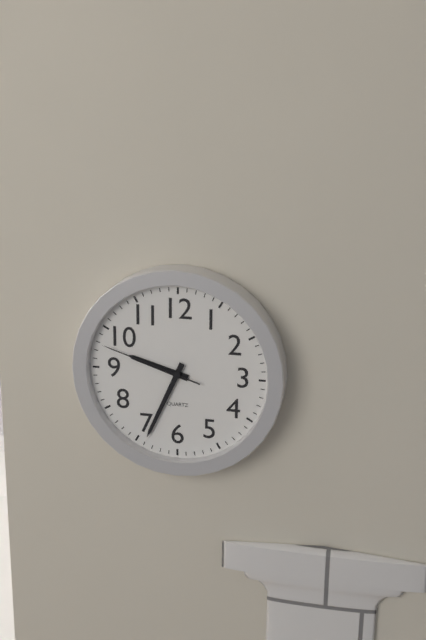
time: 9:34:48
